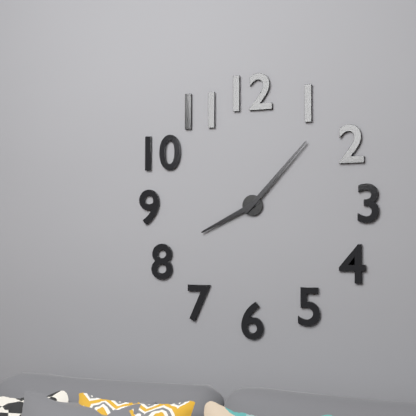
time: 8:07
